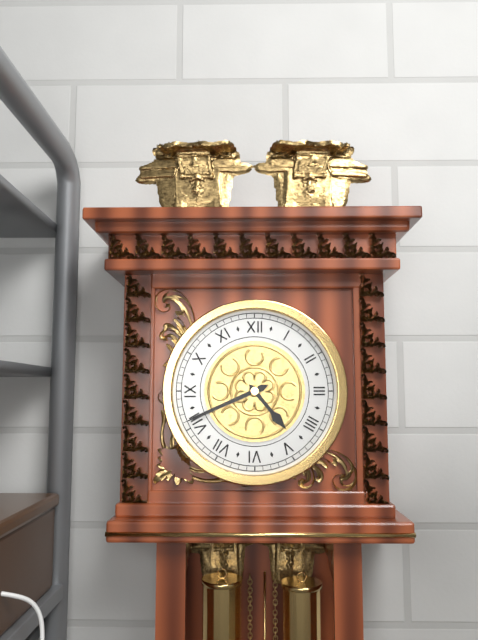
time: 4:41
